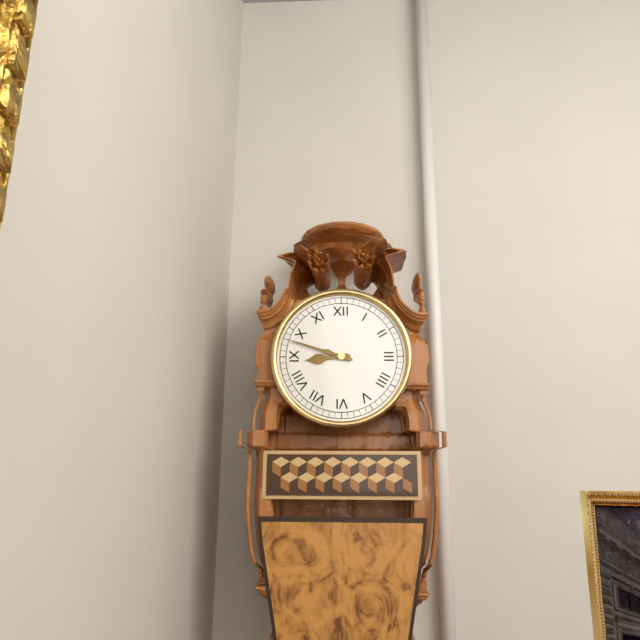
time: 8:48
